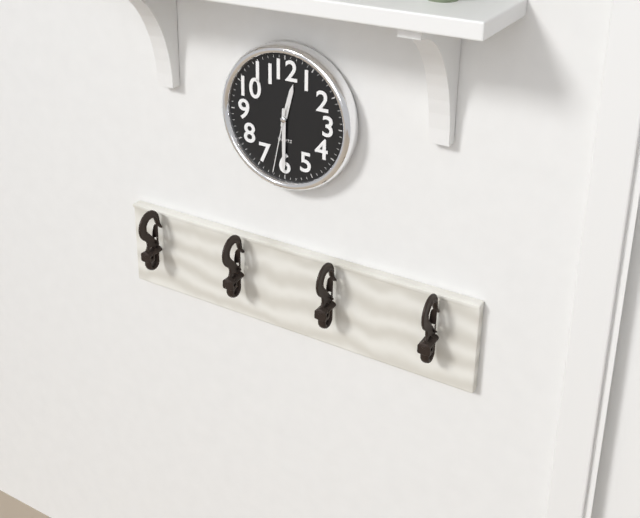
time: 12:30:32
